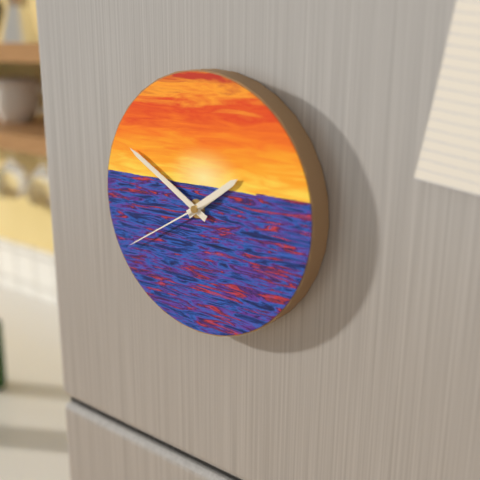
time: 1:50:40
